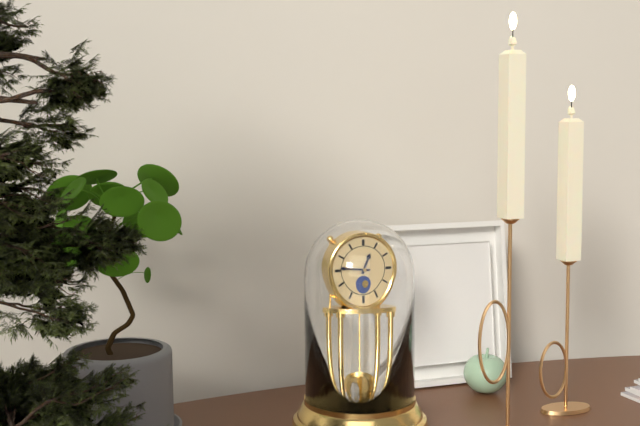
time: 12:46
